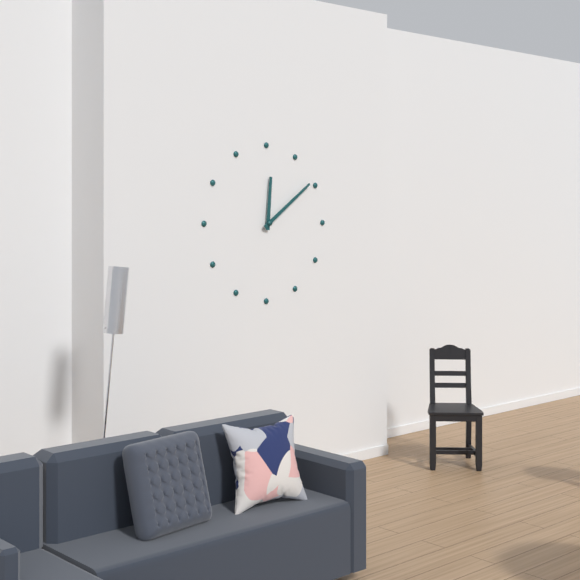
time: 12:09
